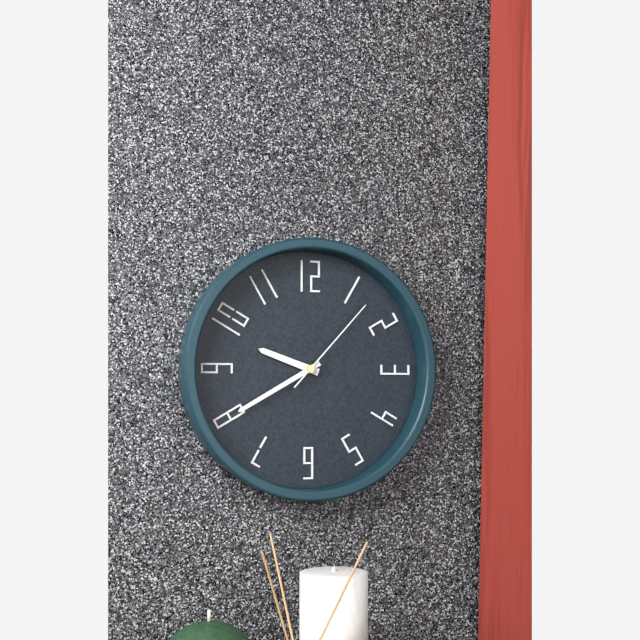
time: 9:40:07
